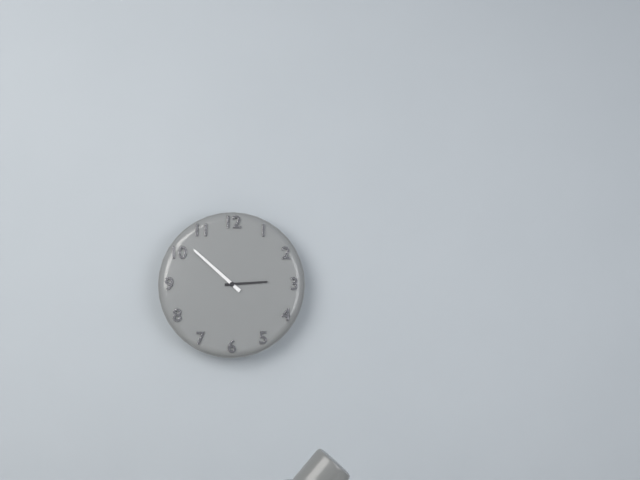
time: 2:52
